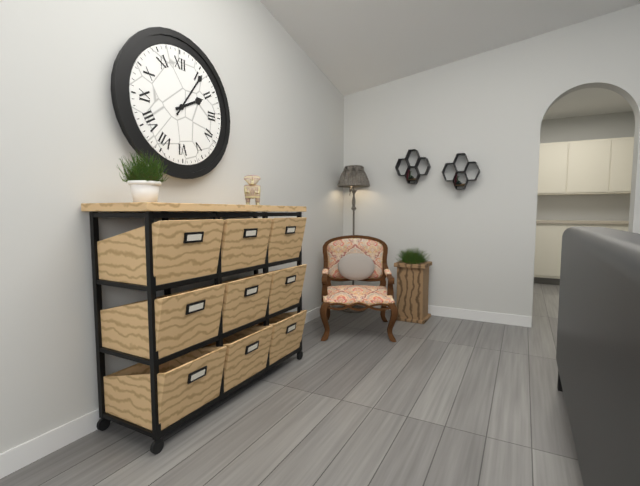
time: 2:06
